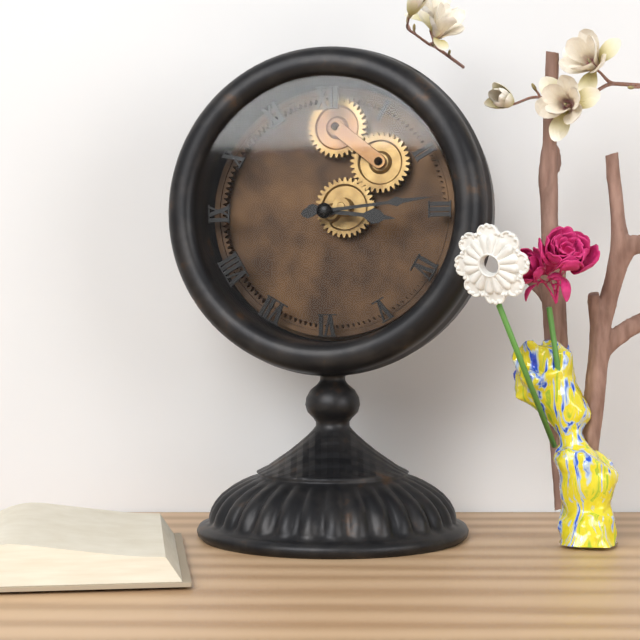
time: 3:14
